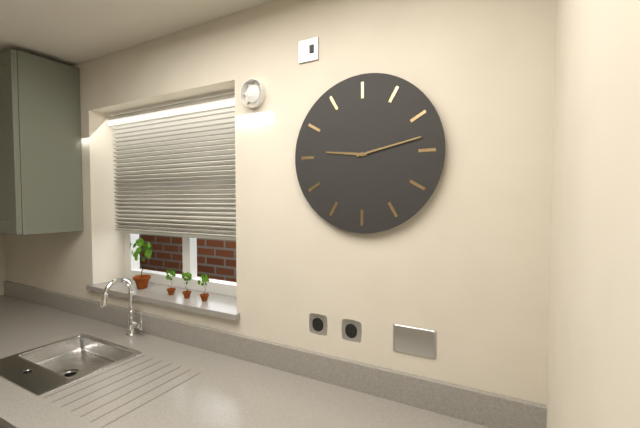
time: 9:13
